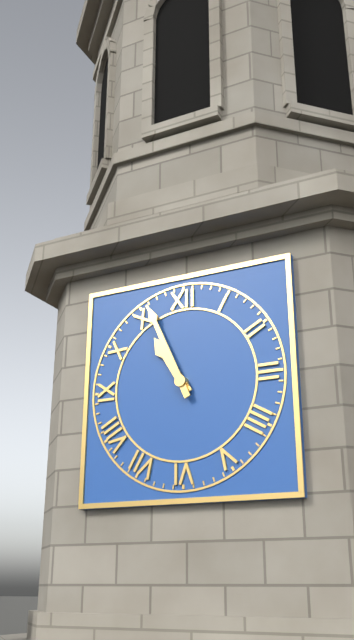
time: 10:56
